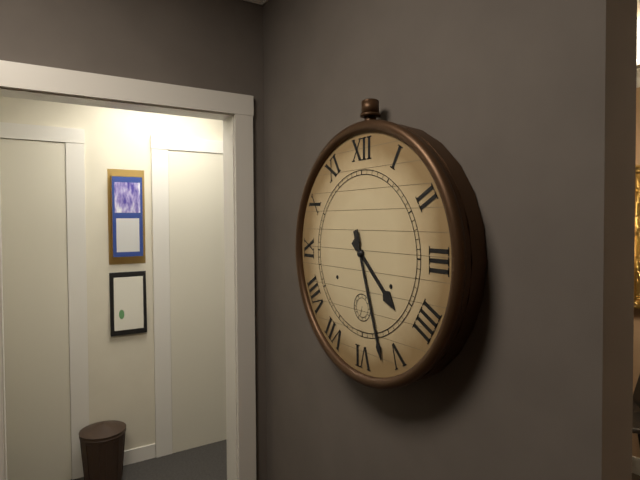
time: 4:27
